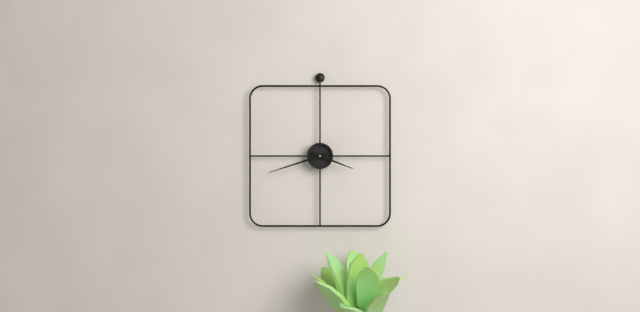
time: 3:42
